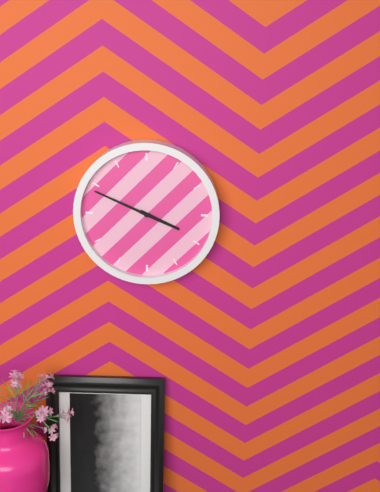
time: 3:49
